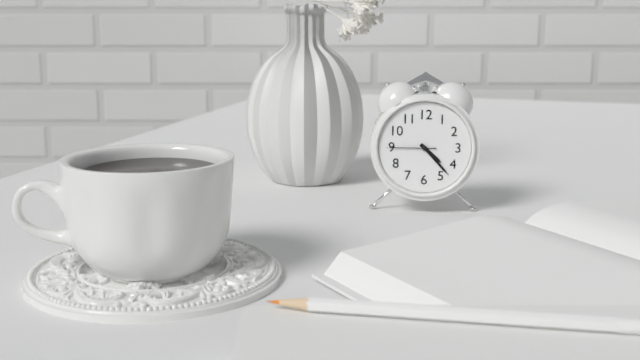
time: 4:23
